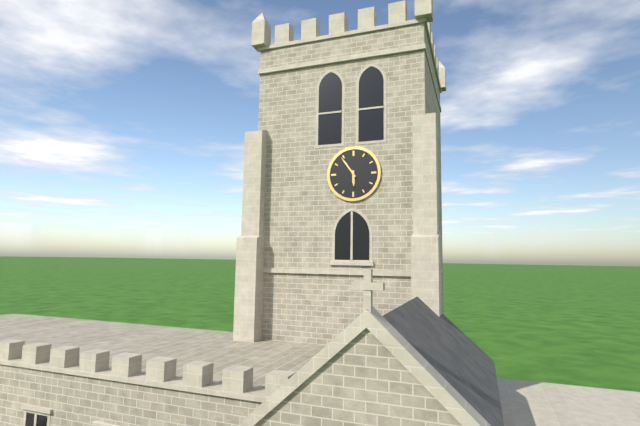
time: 5:54
